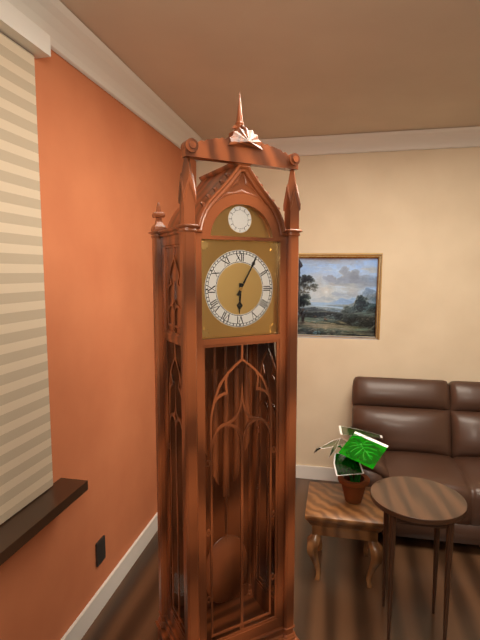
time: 6:05
